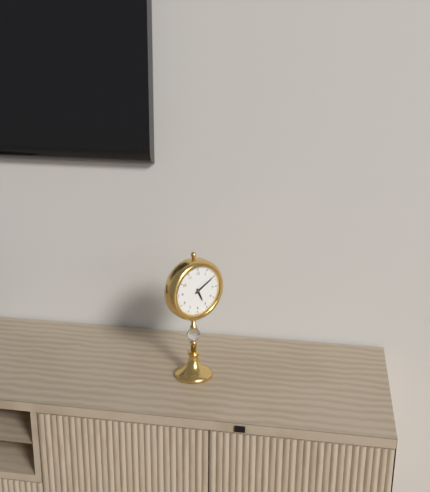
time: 5:10
